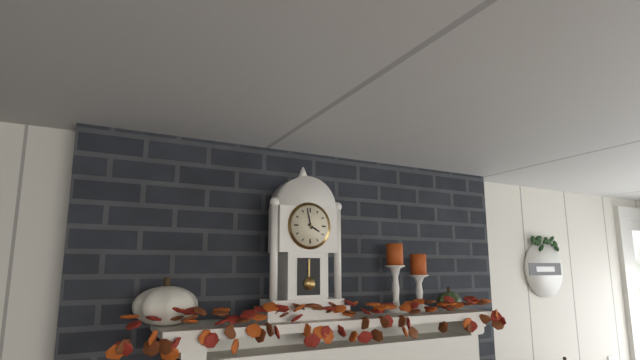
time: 3:58
